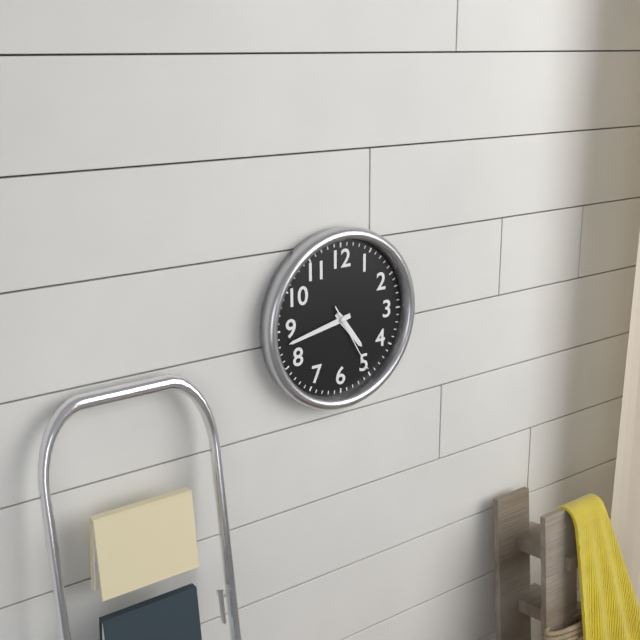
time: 4:43:25
